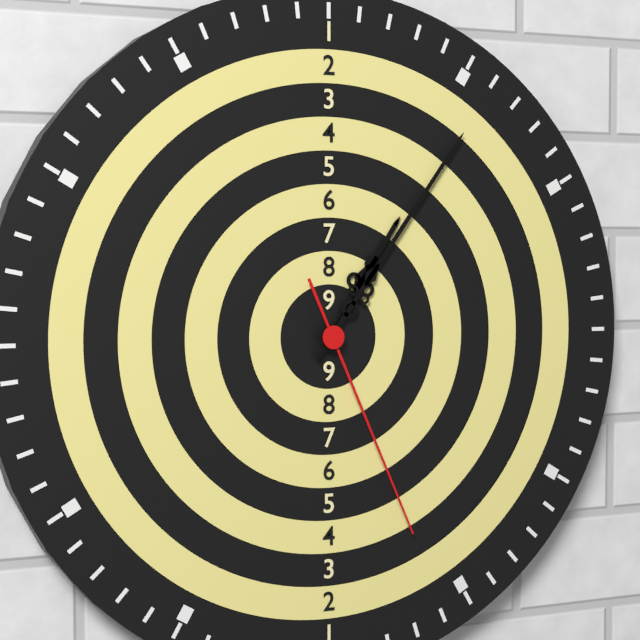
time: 1:06:26
